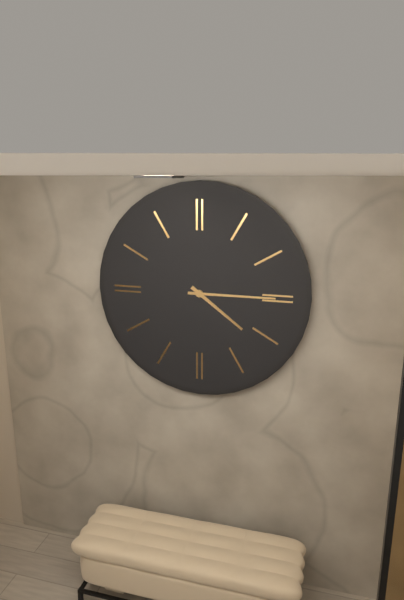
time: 4:15
